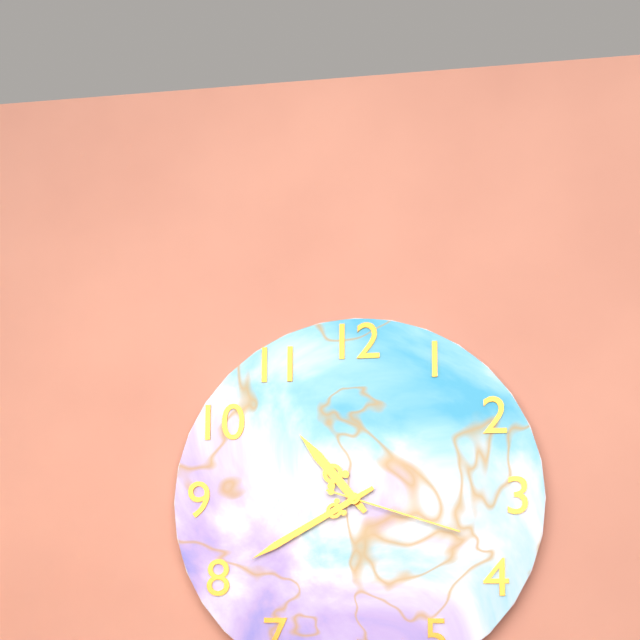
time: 10:40:18
